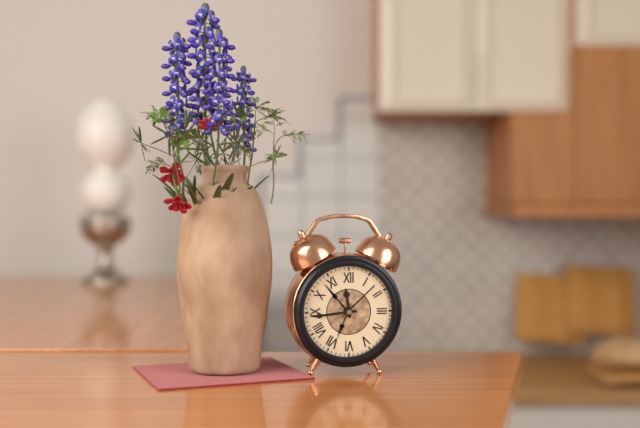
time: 11:44
